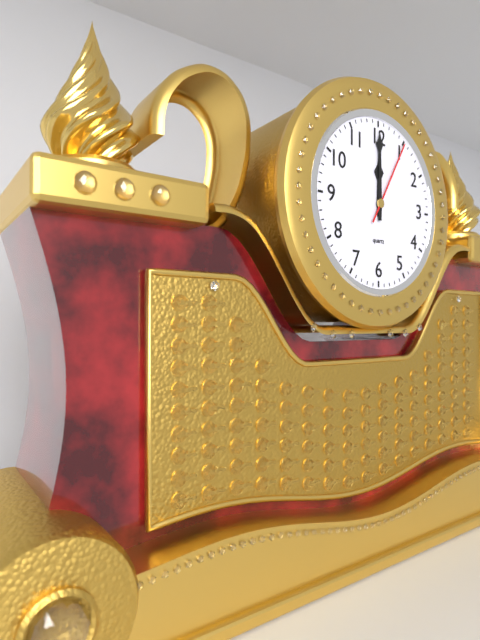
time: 12:00:05
